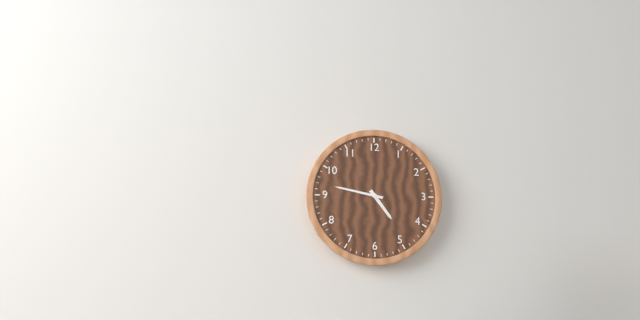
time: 4:47
